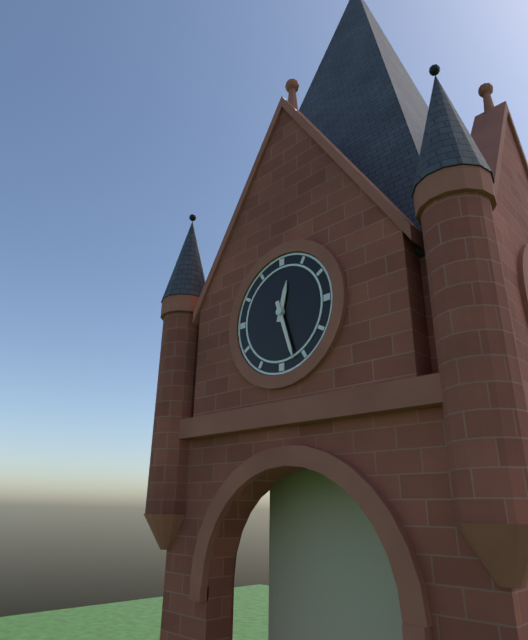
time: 12:27
